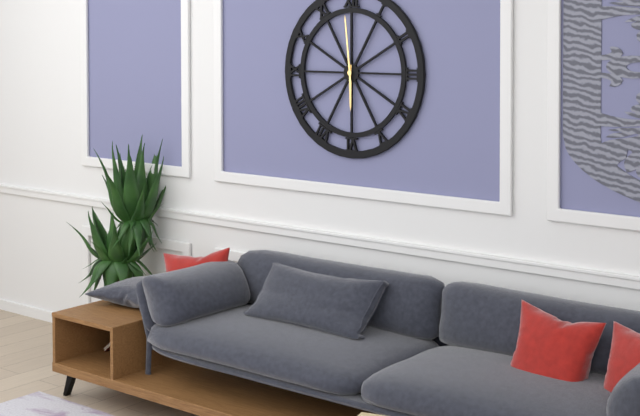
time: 5:59
